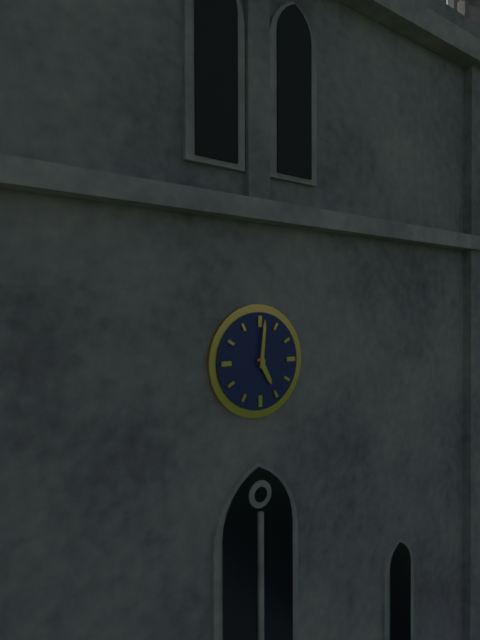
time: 5:01
